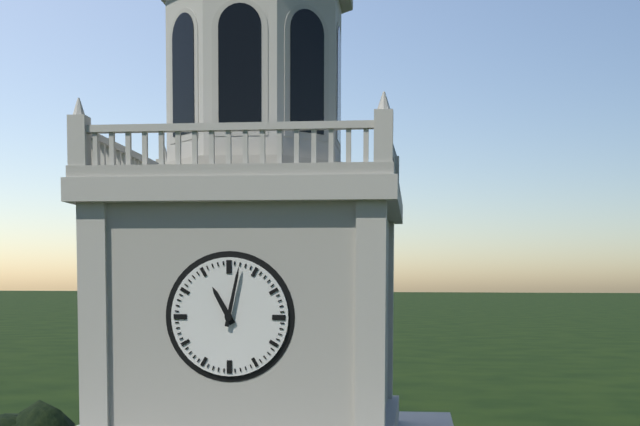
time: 11:02
